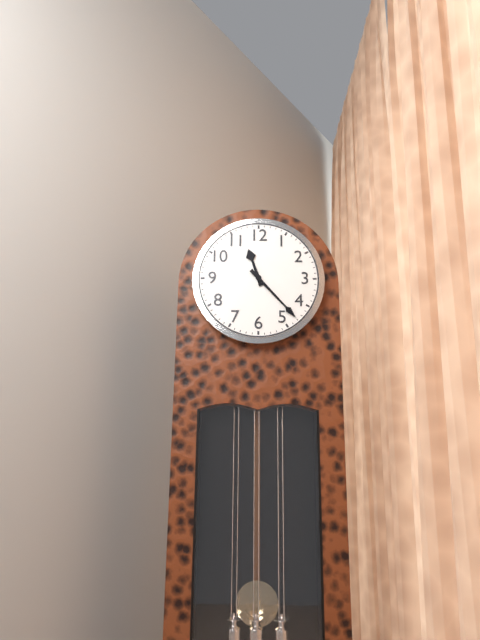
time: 11:23
